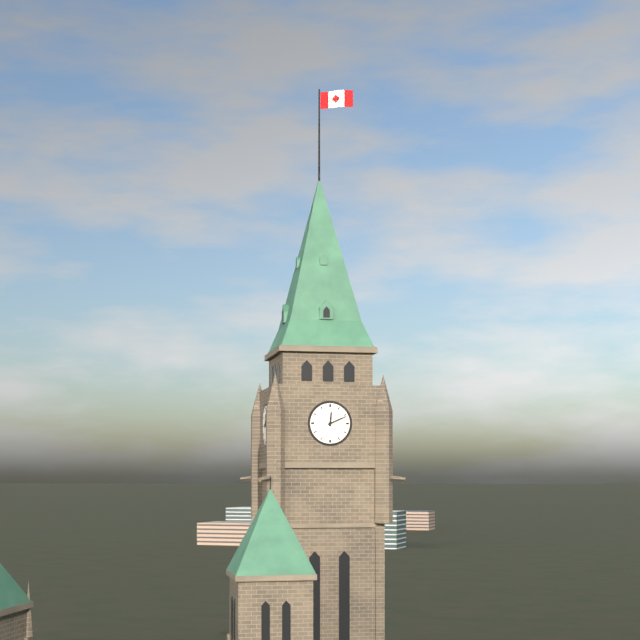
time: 12:11
